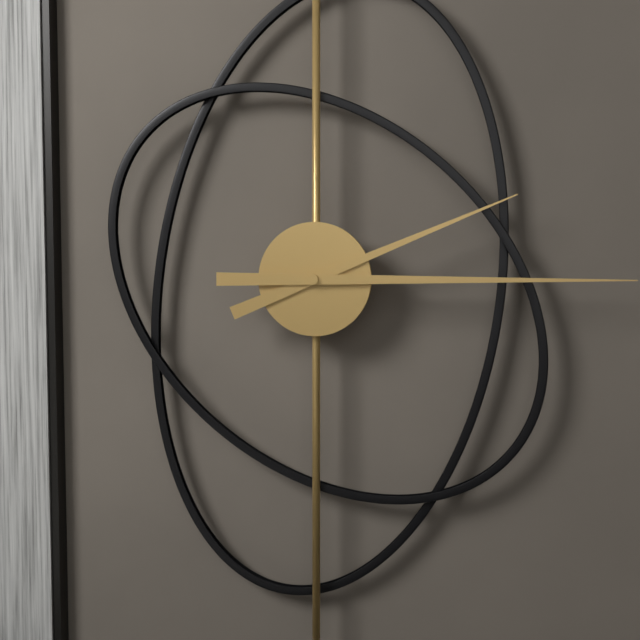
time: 2:15
